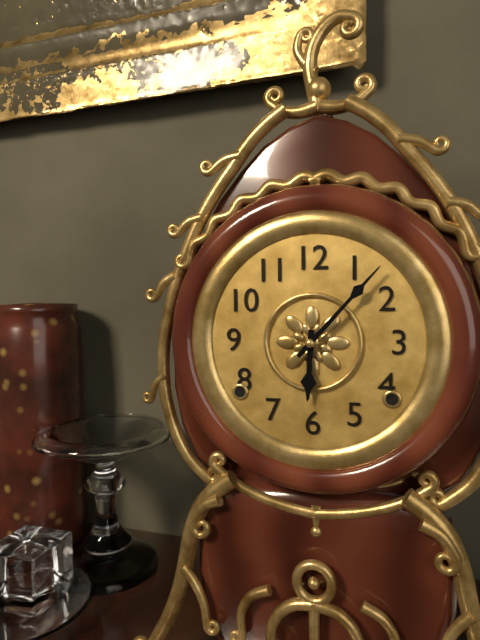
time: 6:07
